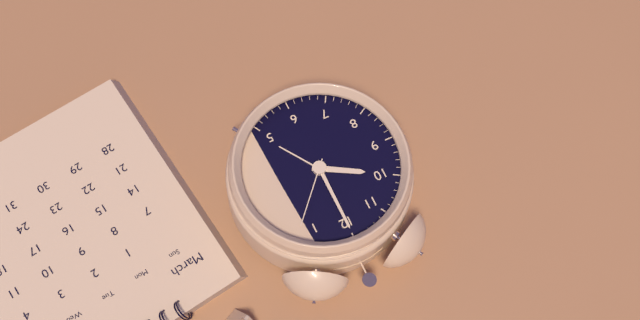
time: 10:00:07
